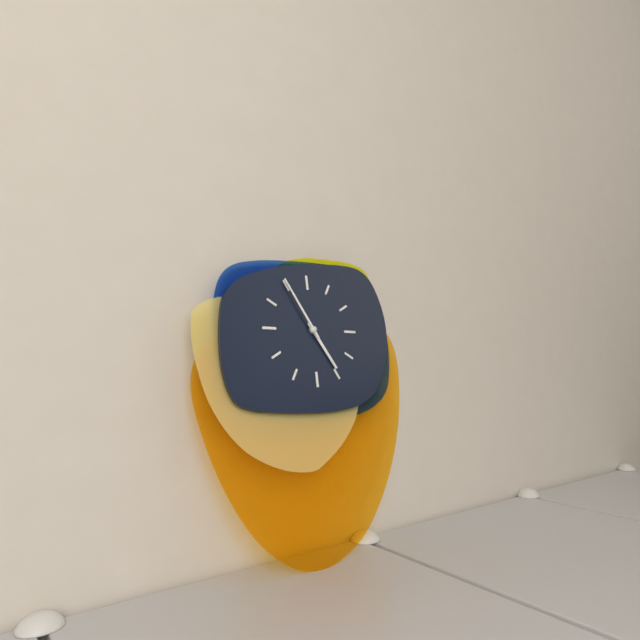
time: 4:55
